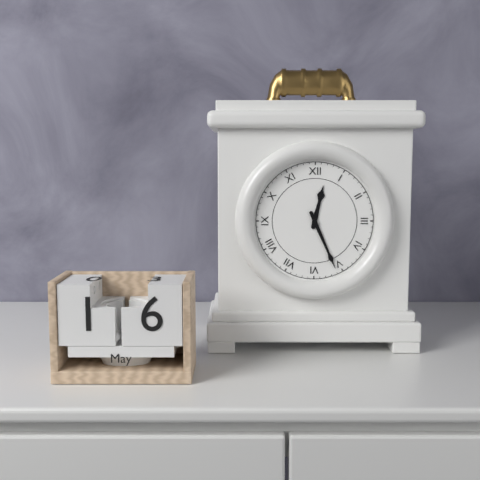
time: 12:26
